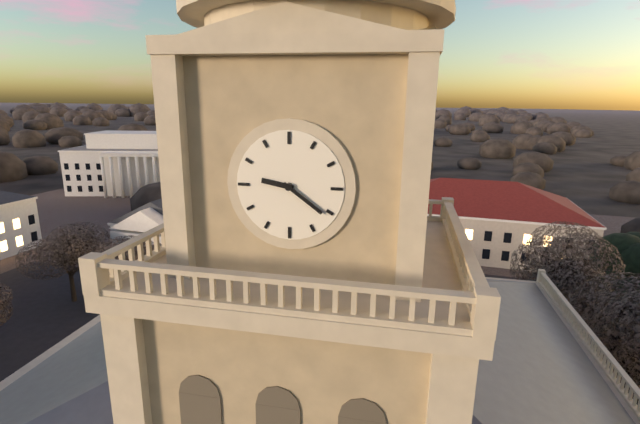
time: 9:21
